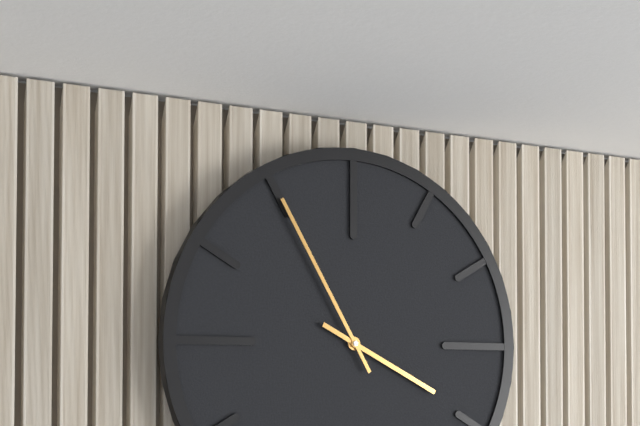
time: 3:55
